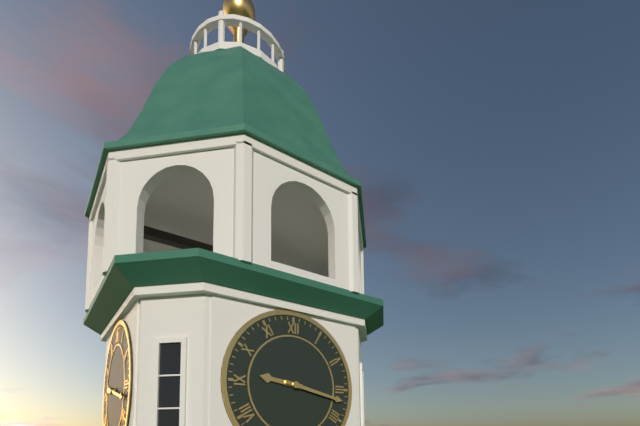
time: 9:17
